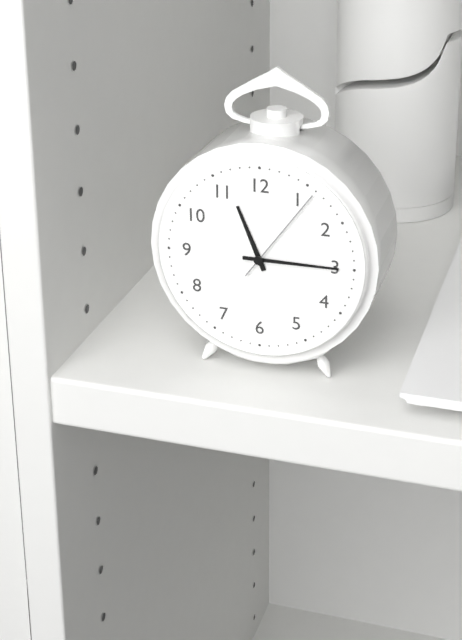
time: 11:15:06
